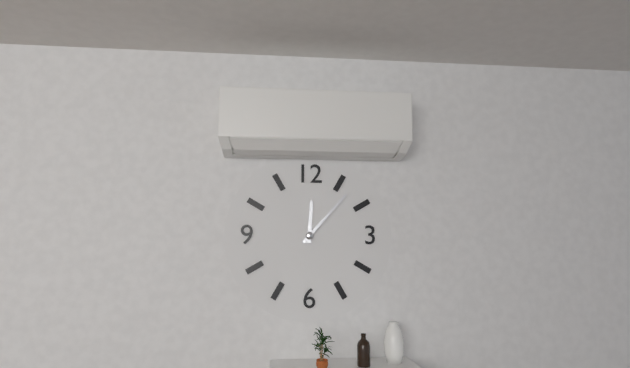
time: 12:07
